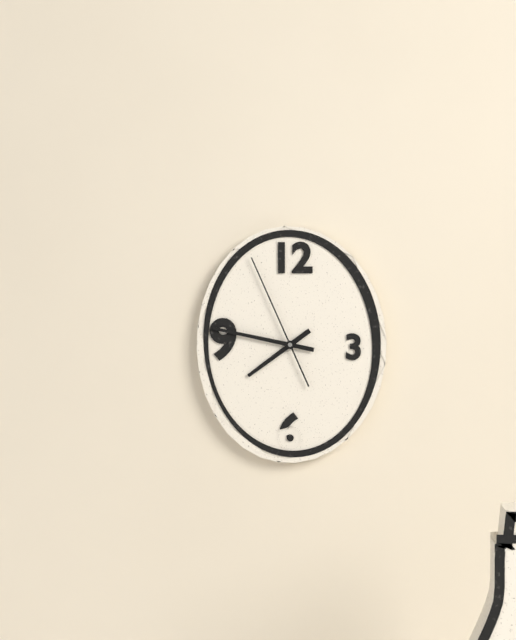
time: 7:47:56
